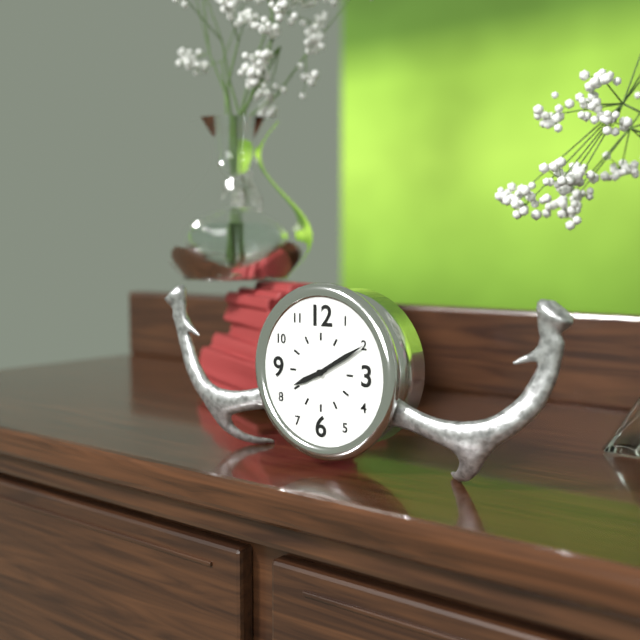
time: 8:10
